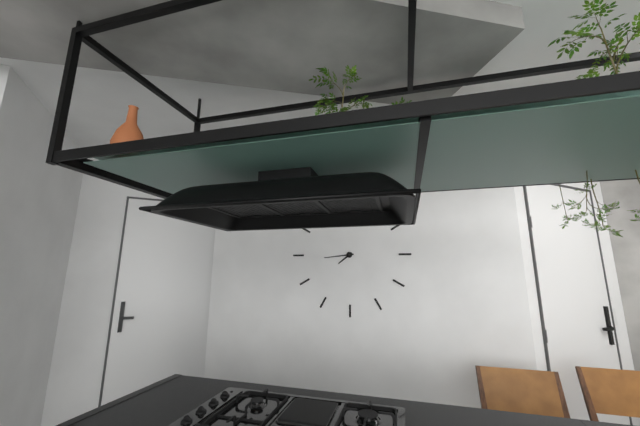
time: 7:44
